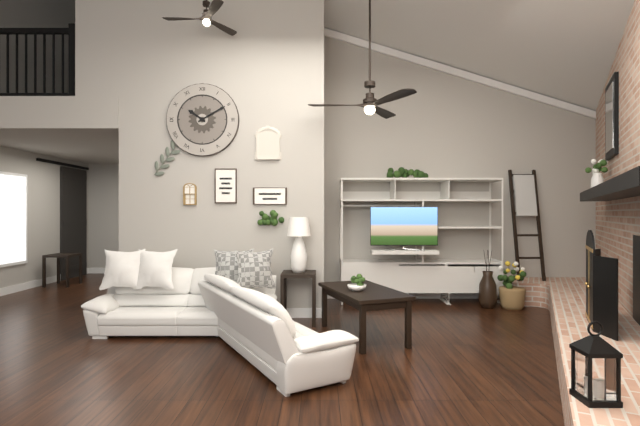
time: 10:10
